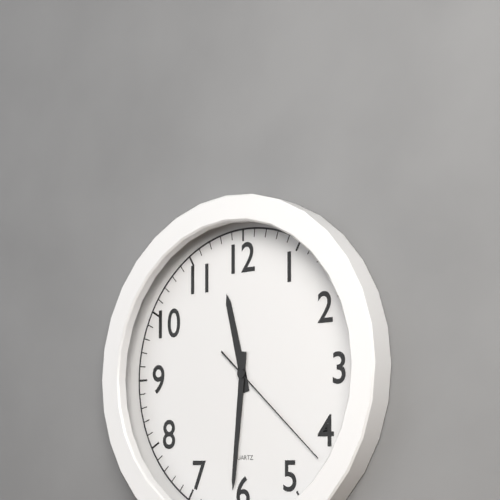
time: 11:31:22
